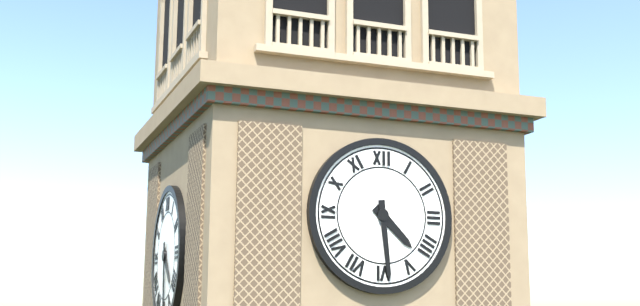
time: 4:29
